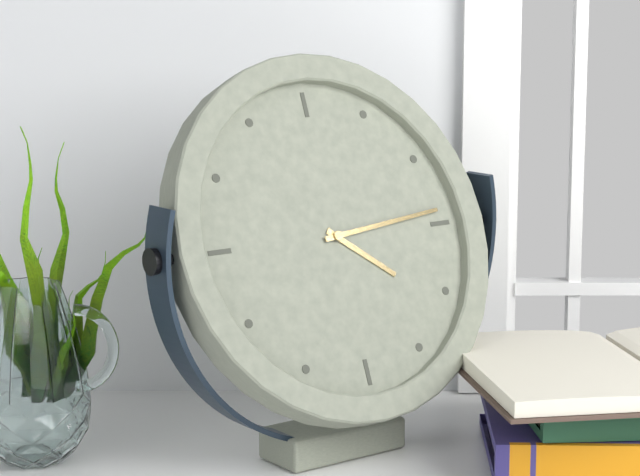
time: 4:14
